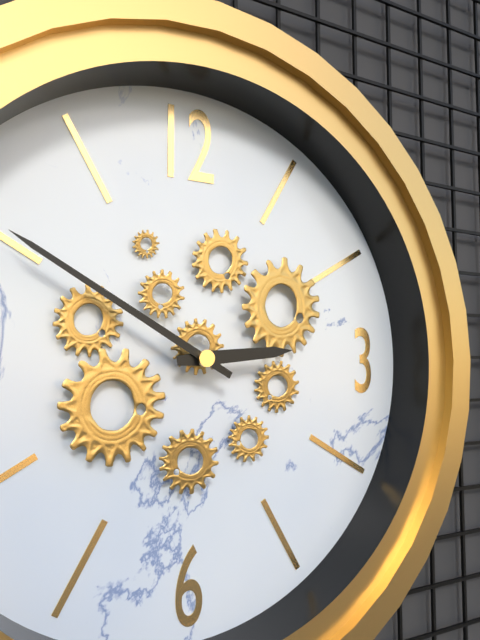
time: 2:50
